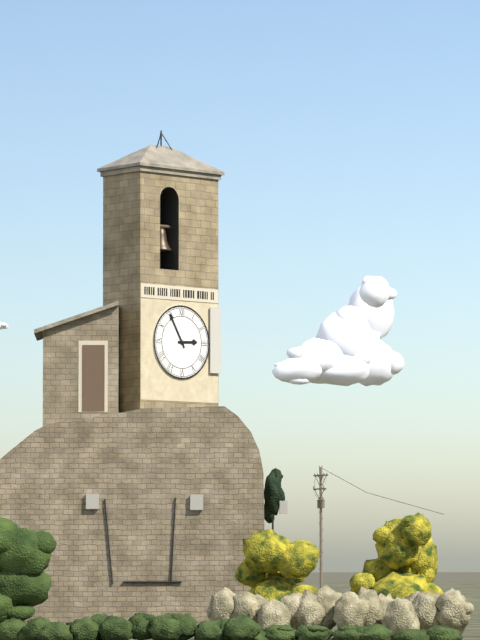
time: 2:55
